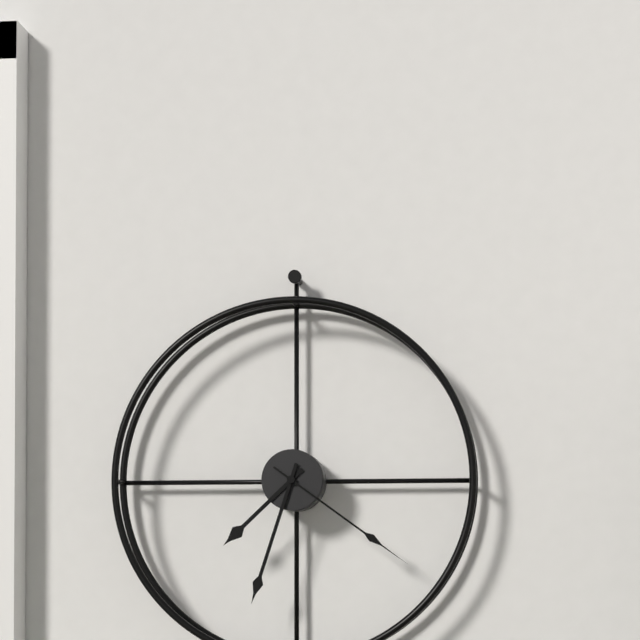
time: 7:33:21
